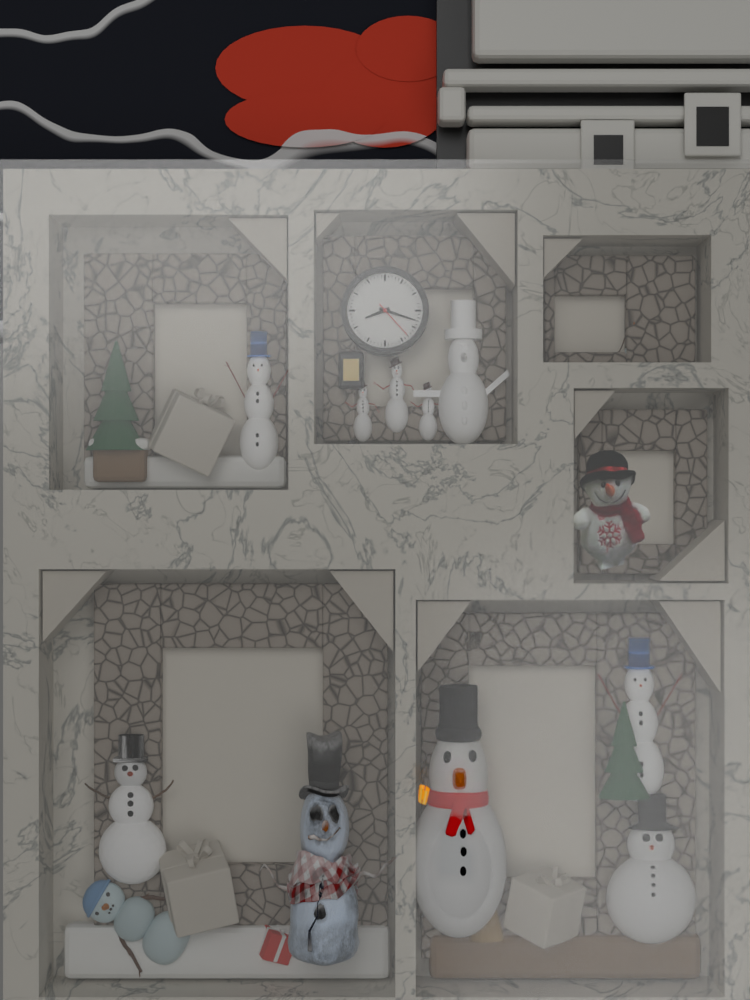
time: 8:18
